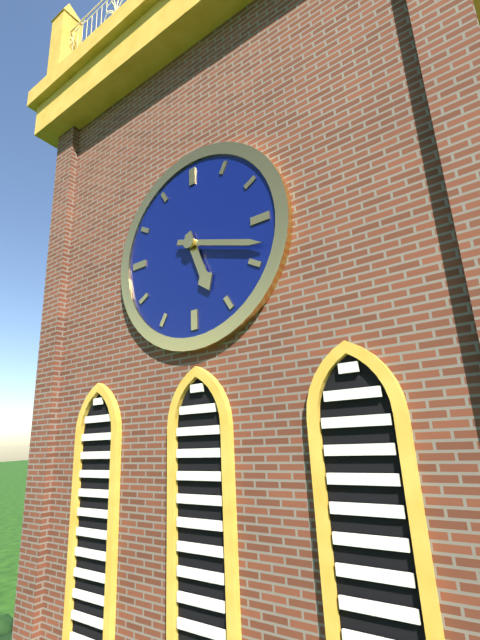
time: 5:18
